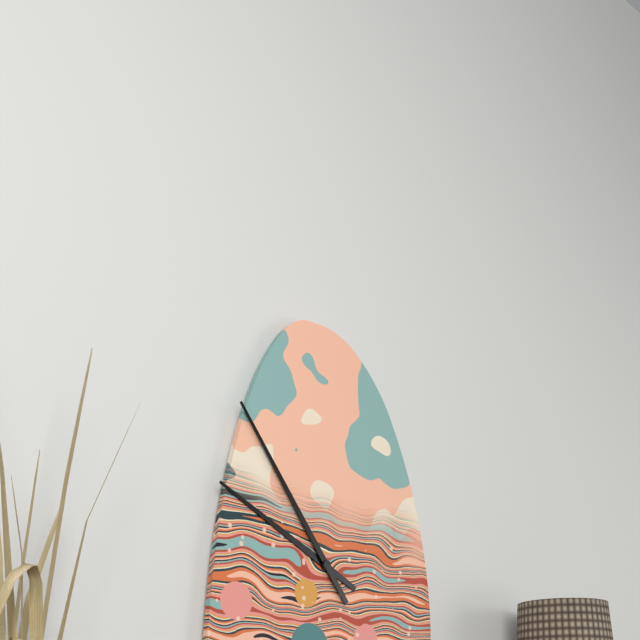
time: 9:54
